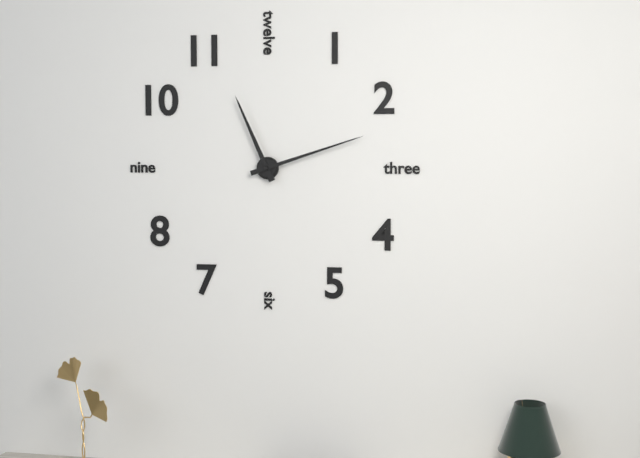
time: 11:12
